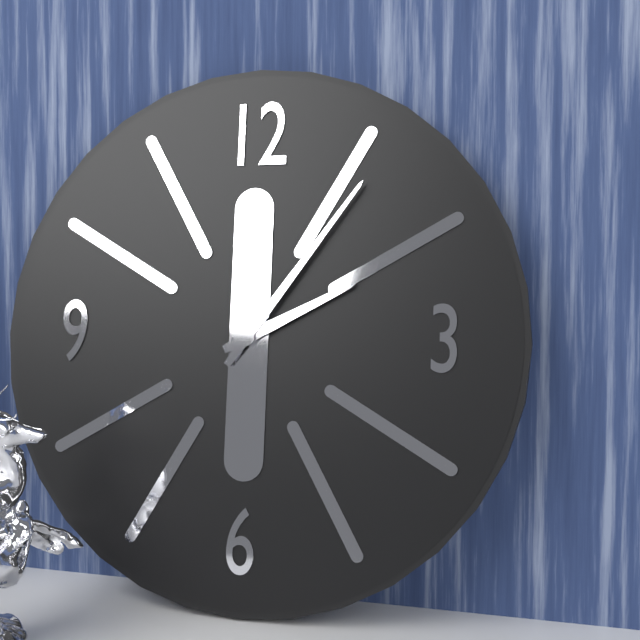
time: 2:06
